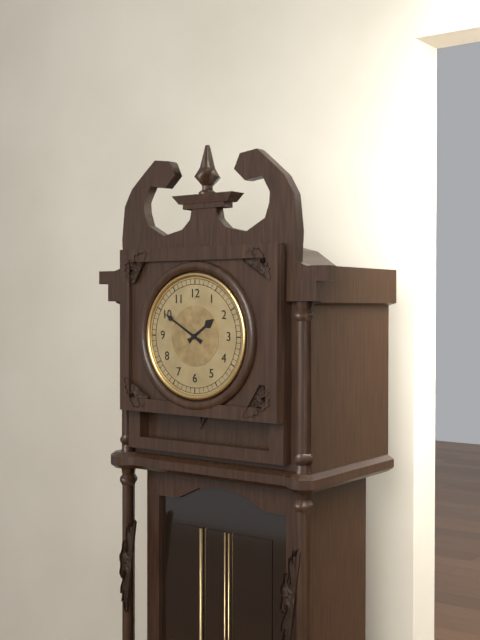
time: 1:50
